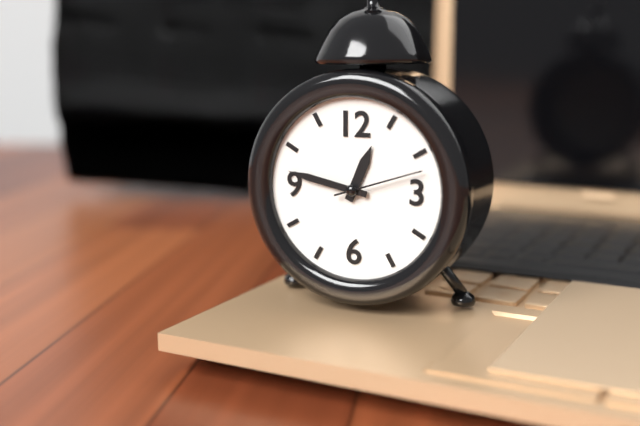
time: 12:47:12
